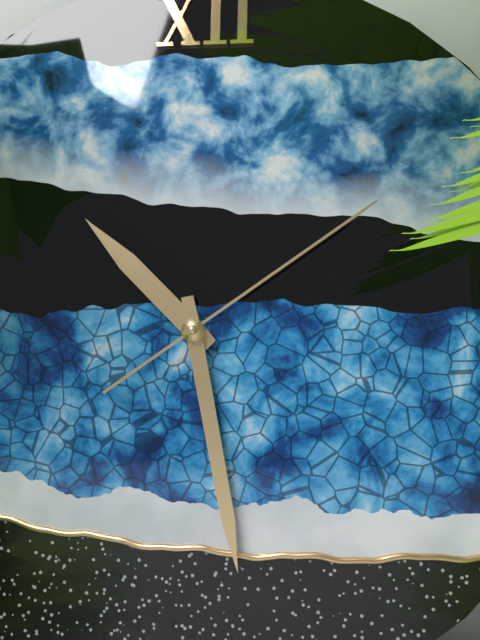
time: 10:28:09
